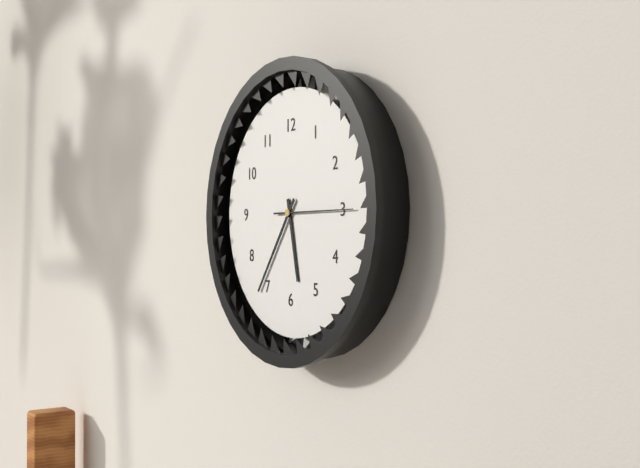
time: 5:36:15
